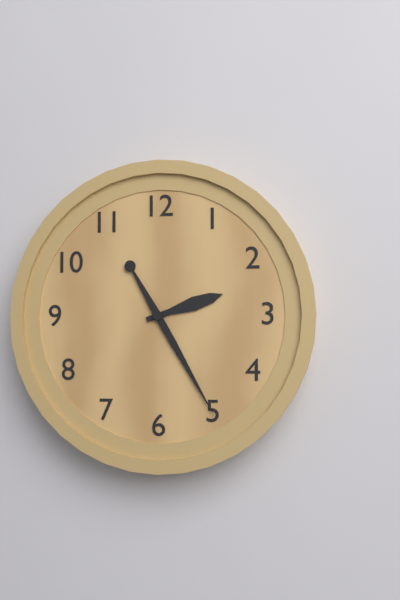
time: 2:25
